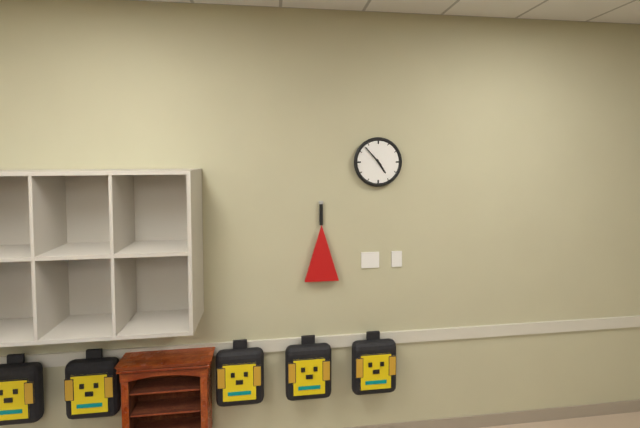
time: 4:53
